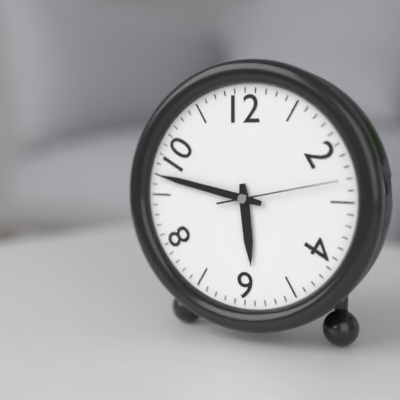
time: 5:47:13
